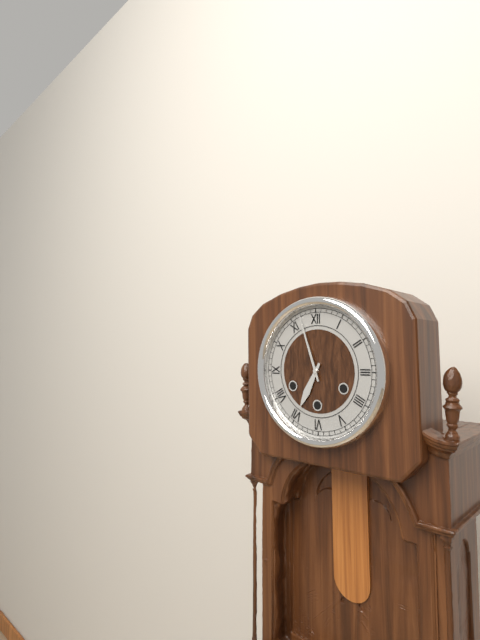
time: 6:57
